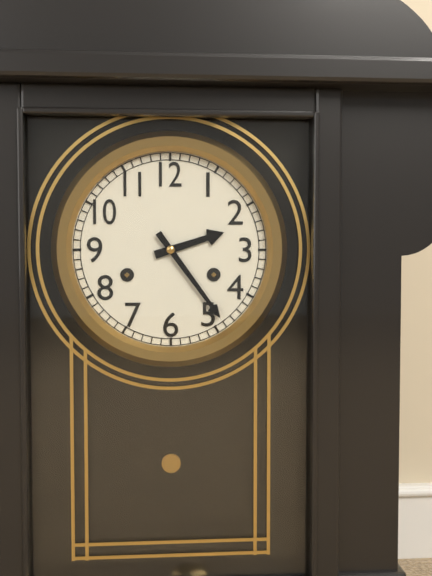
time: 2:24
